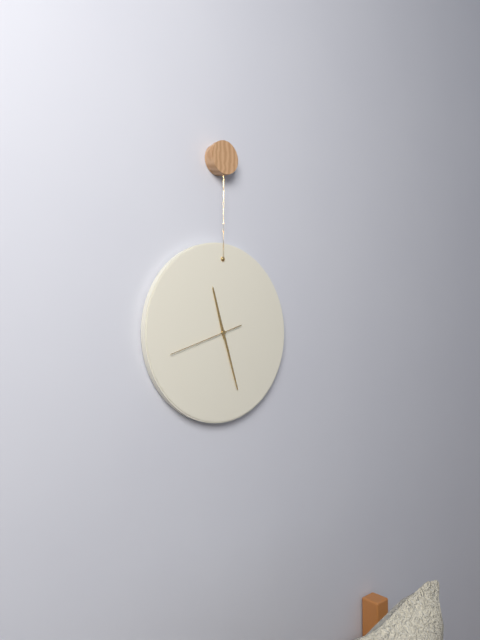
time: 11:27:42
